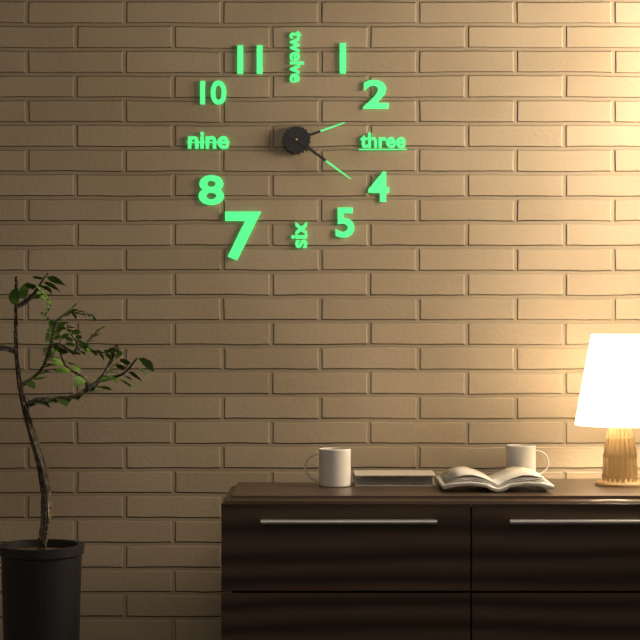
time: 2:21
